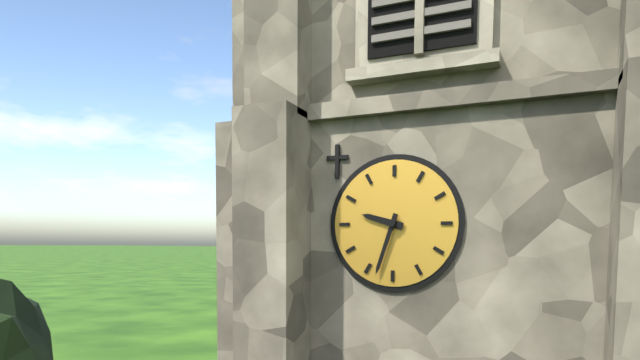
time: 9:33
